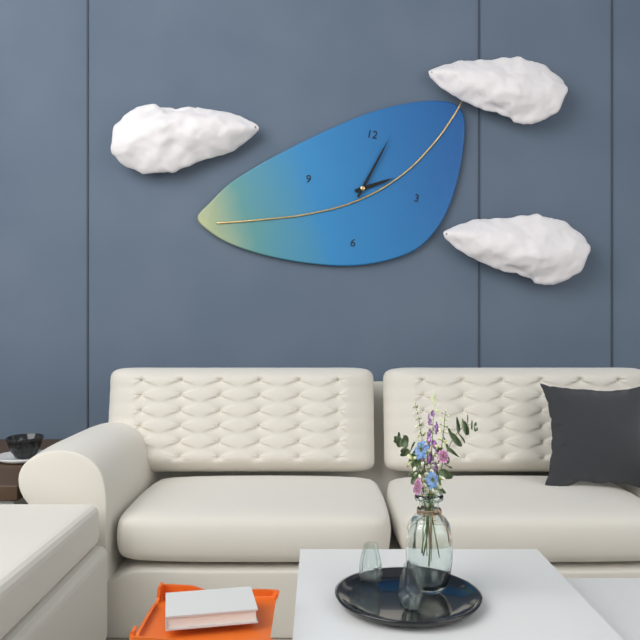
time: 2:03
